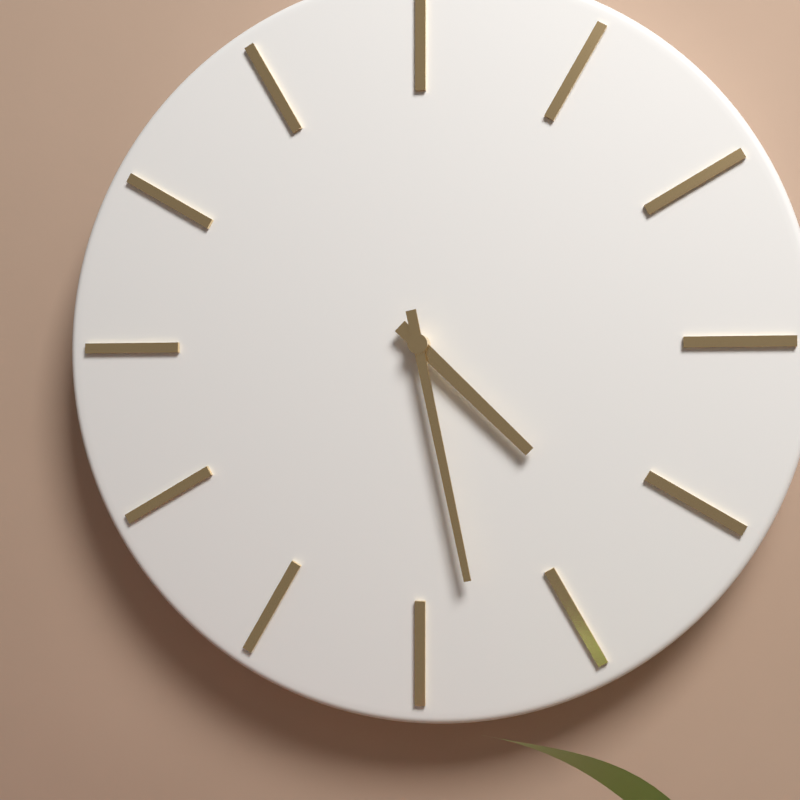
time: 4:28
